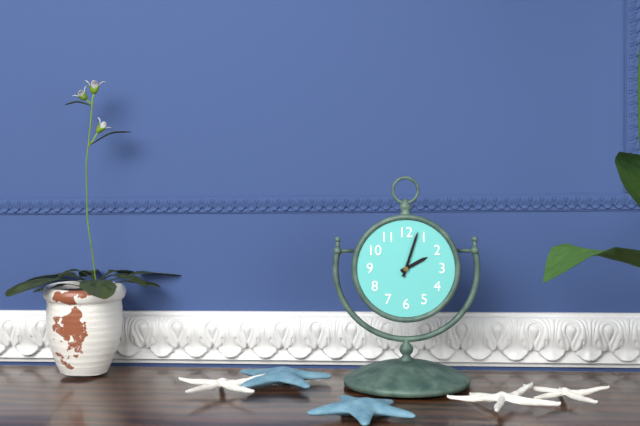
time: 2:03
